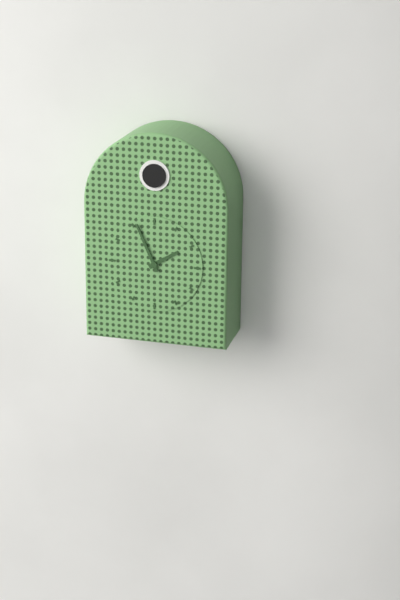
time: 1:56
